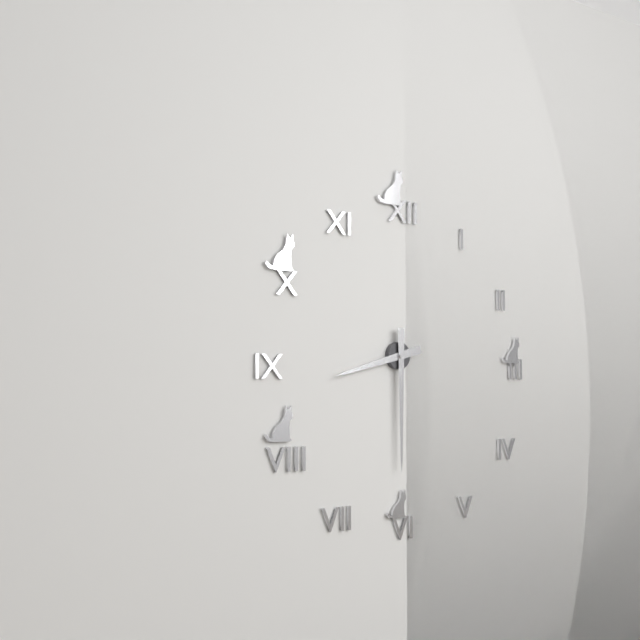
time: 8:30
